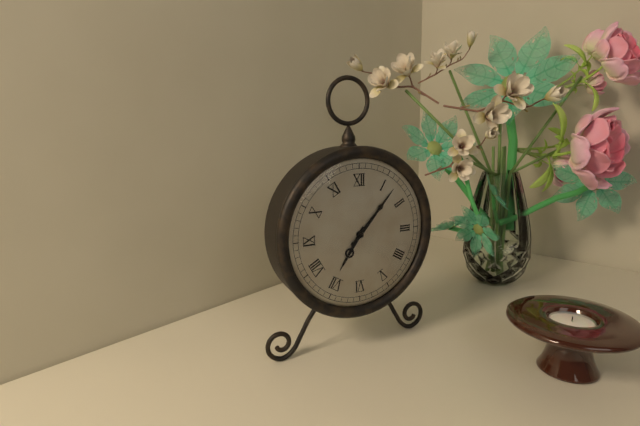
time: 7:07
